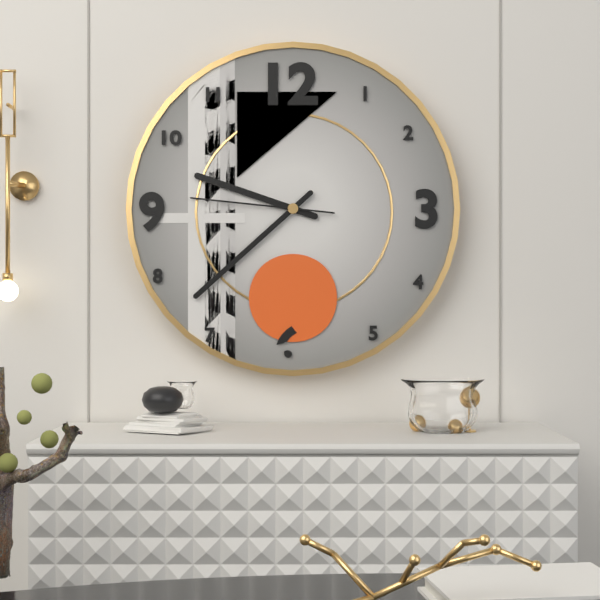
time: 9:38:46
